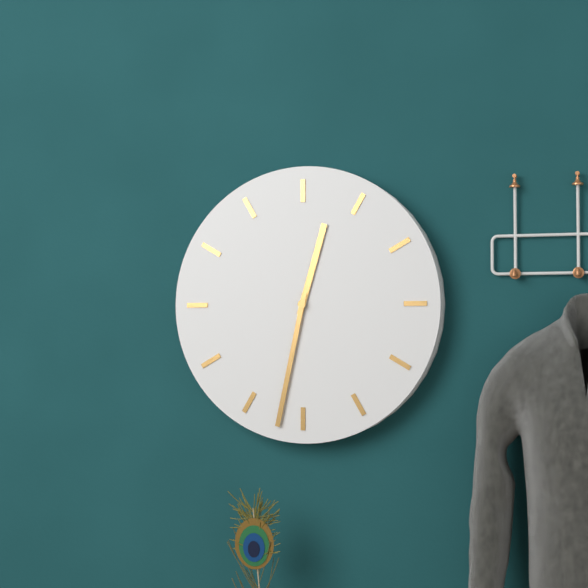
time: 12:32
